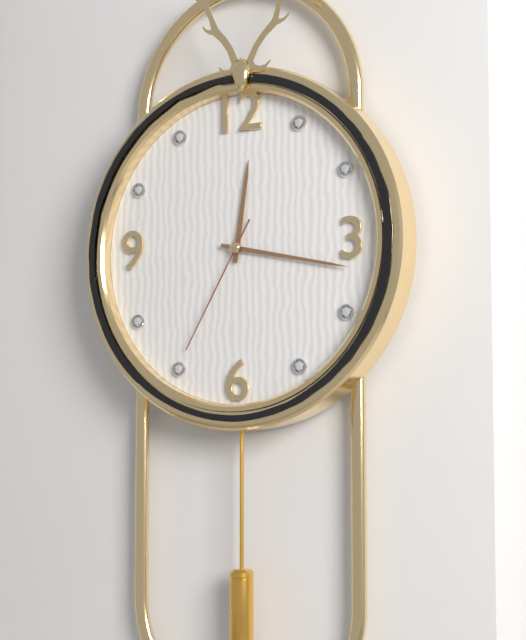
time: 12:17:35
